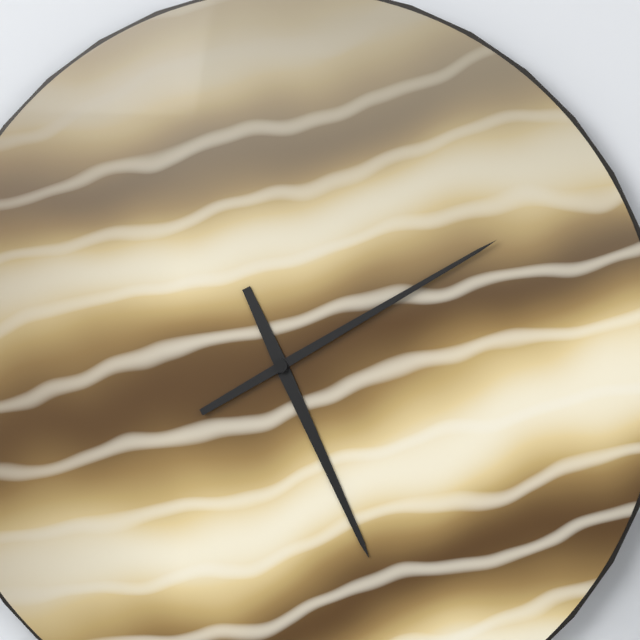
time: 5:10
